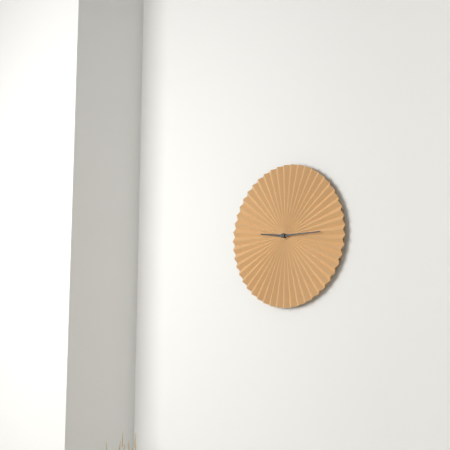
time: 9:15
